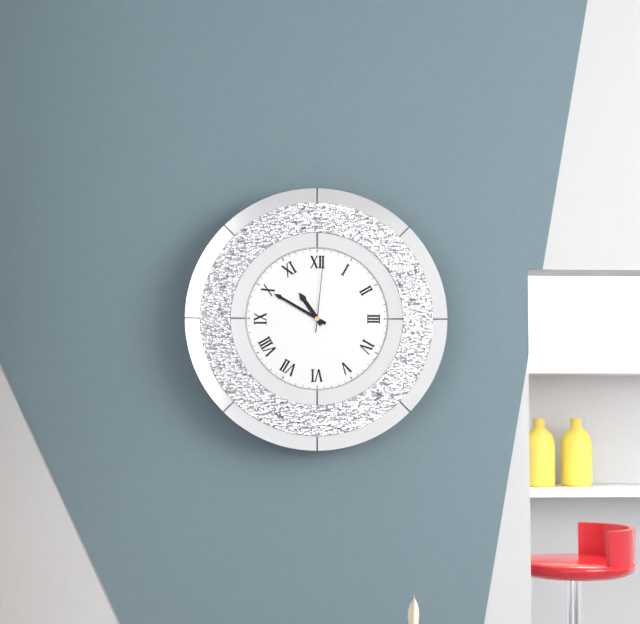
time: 10:50:01
